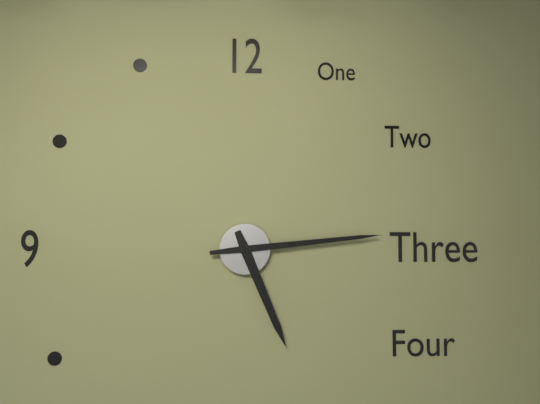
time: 5:14
